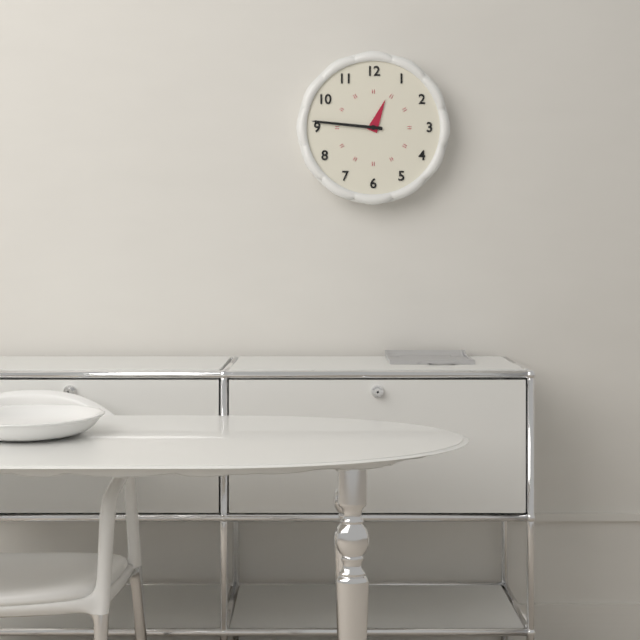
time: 12:46
